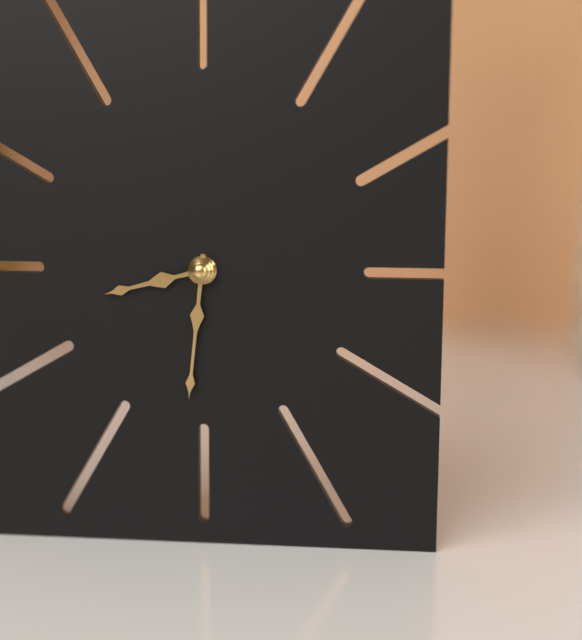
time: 8:31
